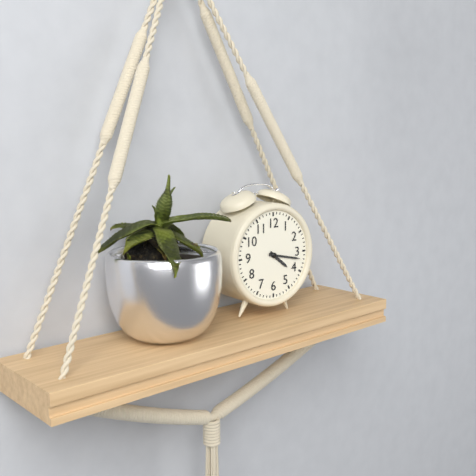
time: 4:17
